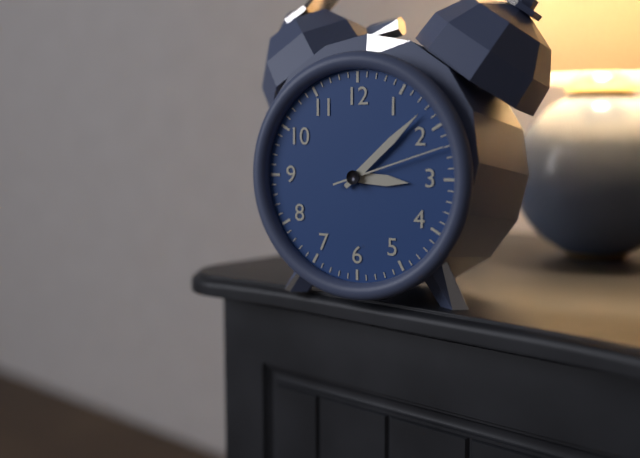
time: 3:08:12
